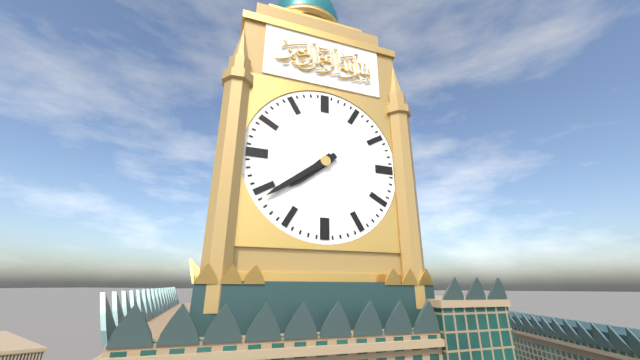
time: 7:39
